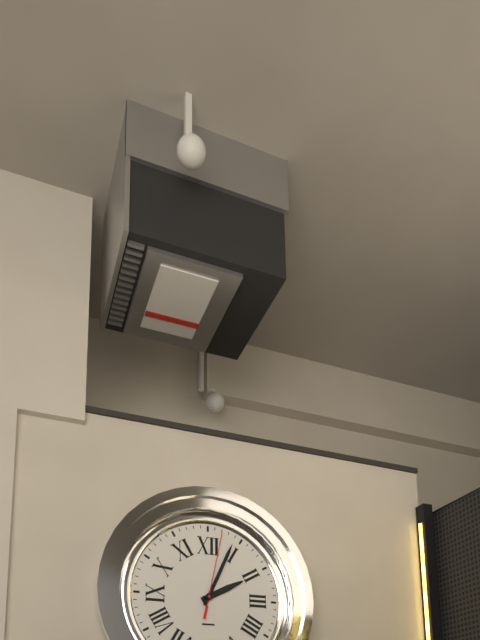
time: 2:04:02
